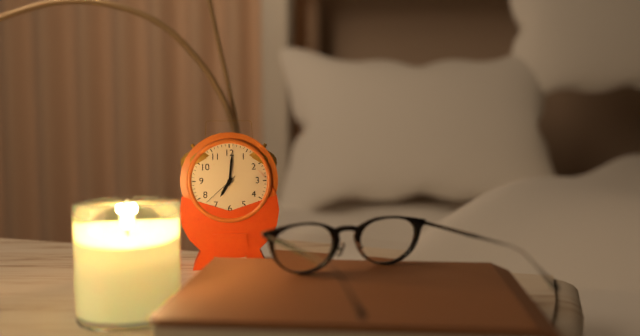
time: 7:01
